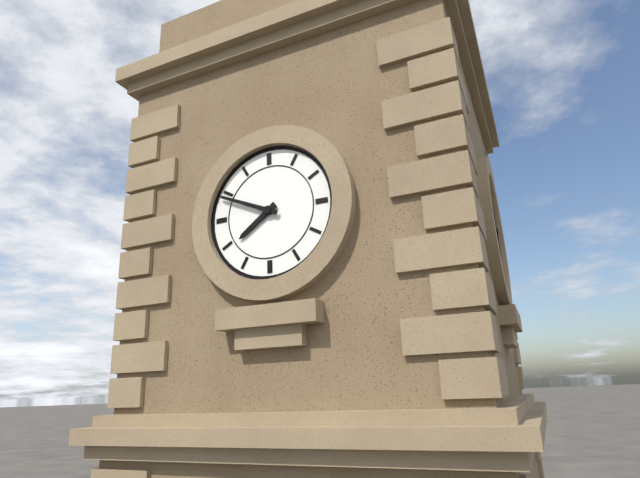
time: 7:49
